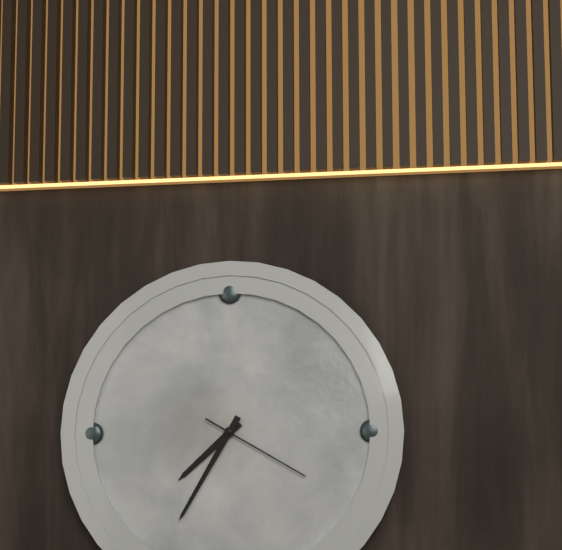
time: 7:35:20
